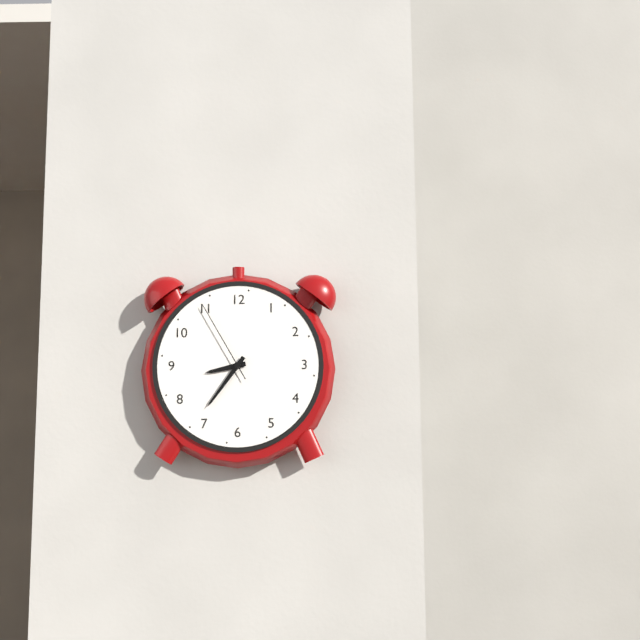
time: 8:36:55
